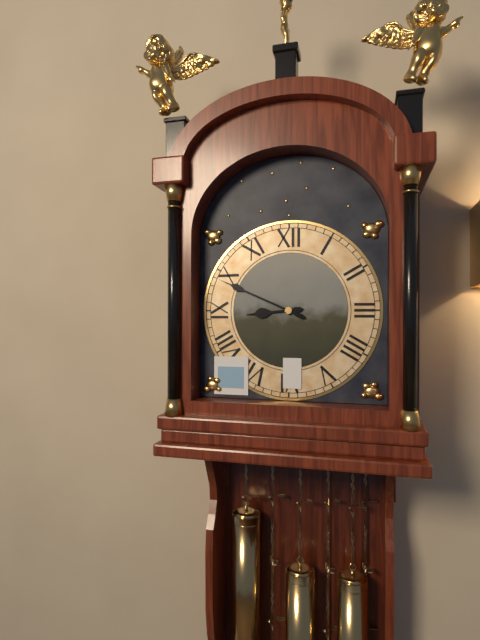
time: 8:49
